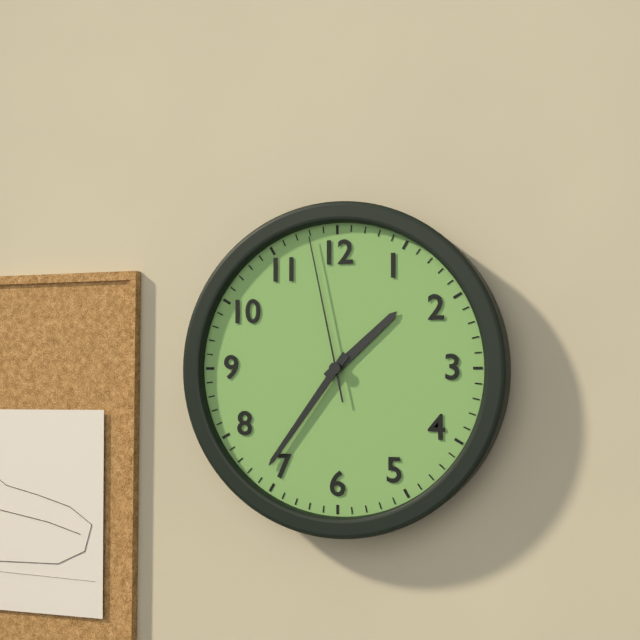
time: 1:36:58
